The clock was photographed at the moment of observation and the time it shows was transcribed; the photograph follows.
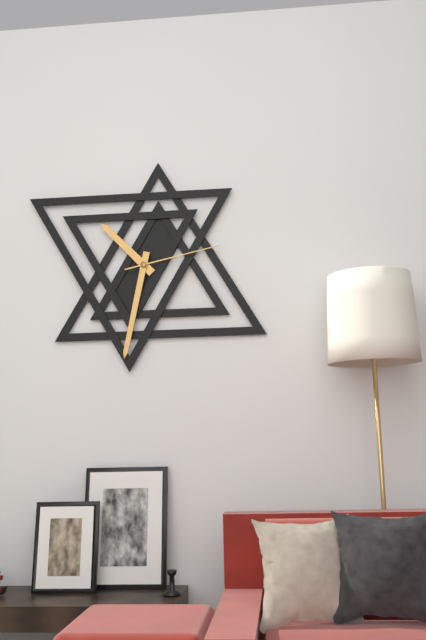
10:32:13
